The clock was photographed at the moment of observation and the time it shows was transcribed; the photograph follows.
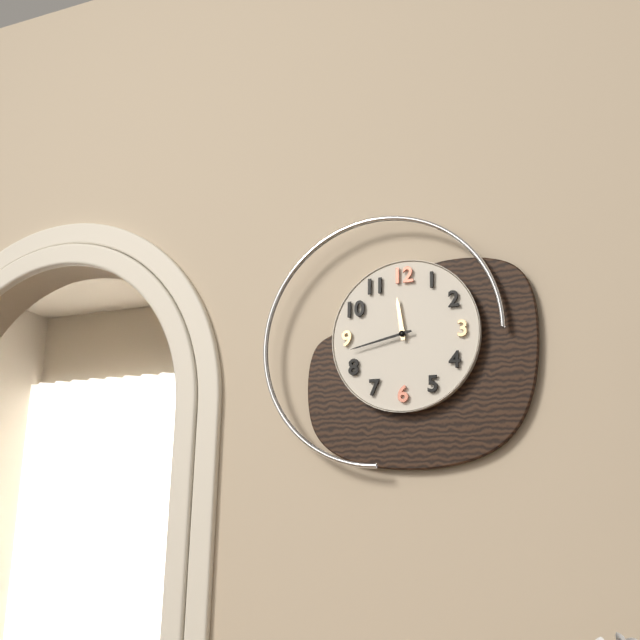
11:43
